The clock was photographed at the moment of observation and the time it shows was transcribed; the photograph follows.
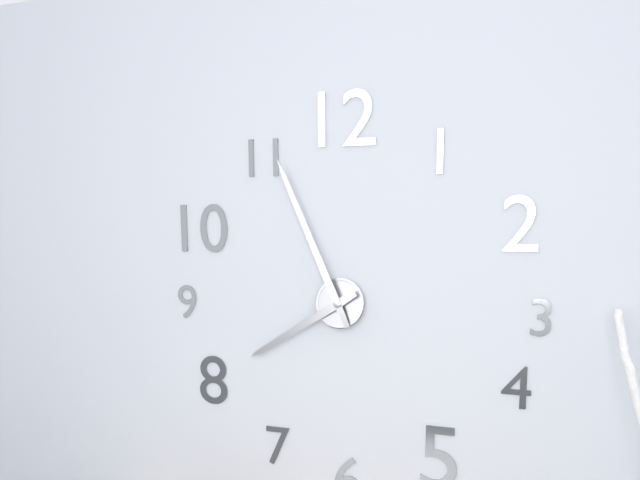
7:56
